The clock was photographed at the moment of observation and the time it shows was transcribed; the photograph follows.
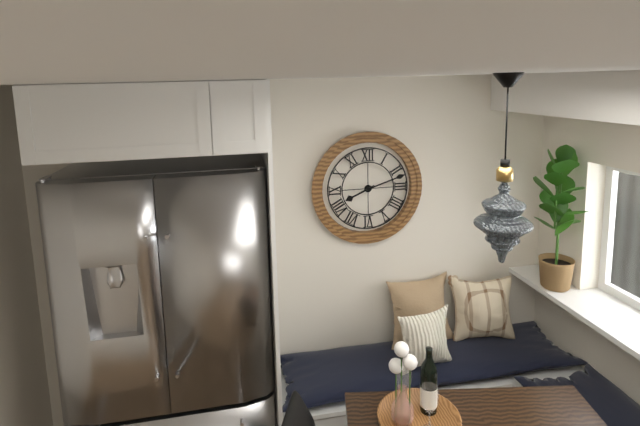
8:12
